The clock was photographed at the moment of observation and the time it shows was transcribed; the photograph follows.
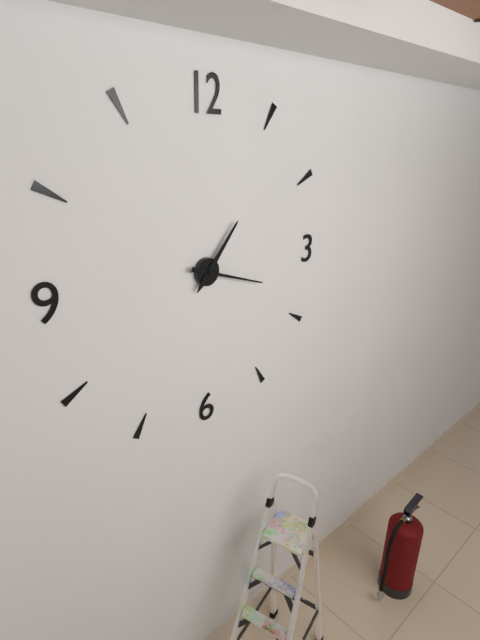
1:18
